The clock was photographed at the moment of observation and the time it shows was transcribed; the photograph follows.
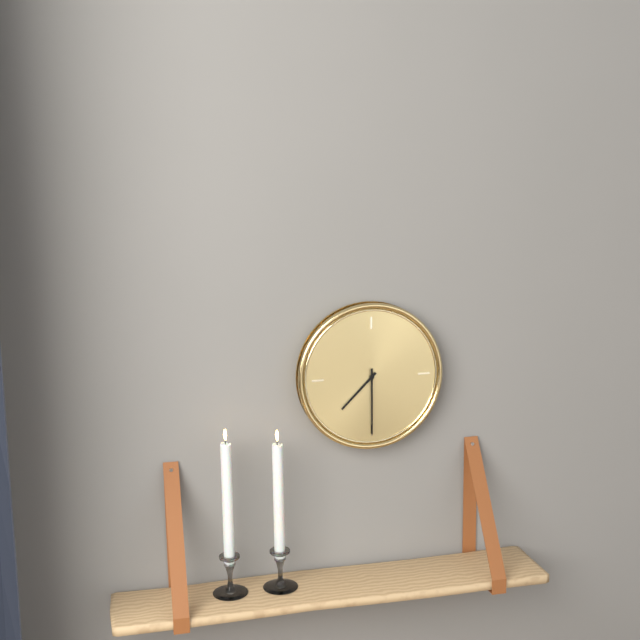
7:30
